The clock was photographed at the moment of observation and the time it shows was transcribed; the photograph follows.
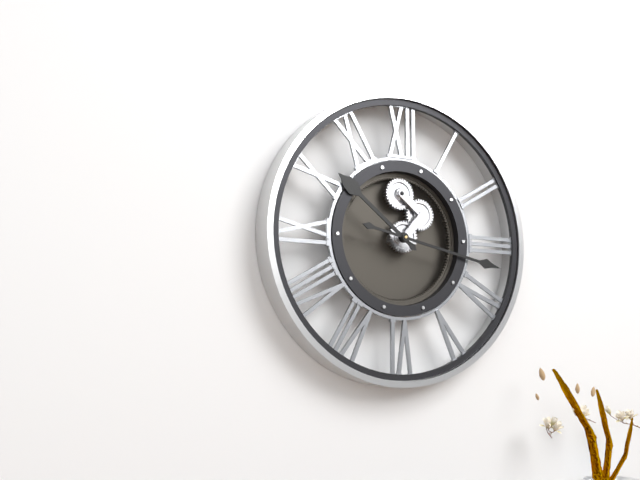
10:17
